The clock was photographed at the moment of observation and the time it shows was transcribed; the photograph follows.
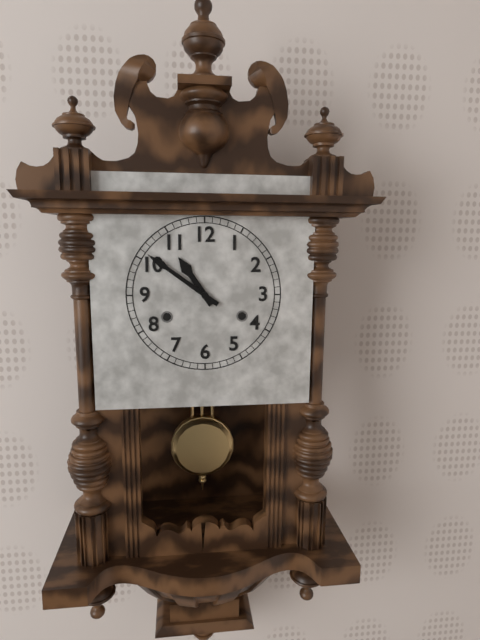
10:51
